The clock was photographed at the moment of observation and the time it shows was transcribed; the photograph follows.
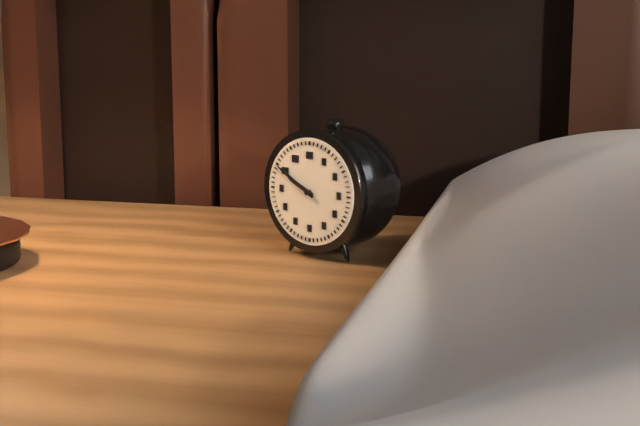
9:50
